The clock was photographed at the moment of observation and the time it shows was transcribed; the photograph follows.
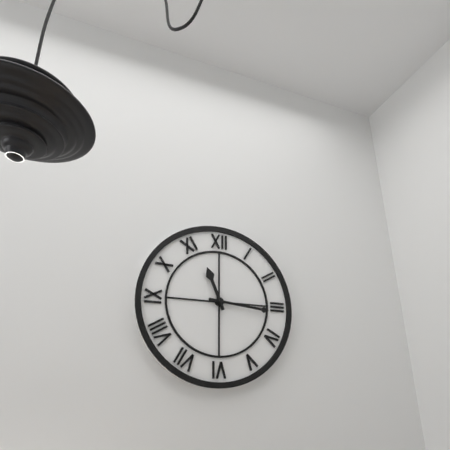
11:16
